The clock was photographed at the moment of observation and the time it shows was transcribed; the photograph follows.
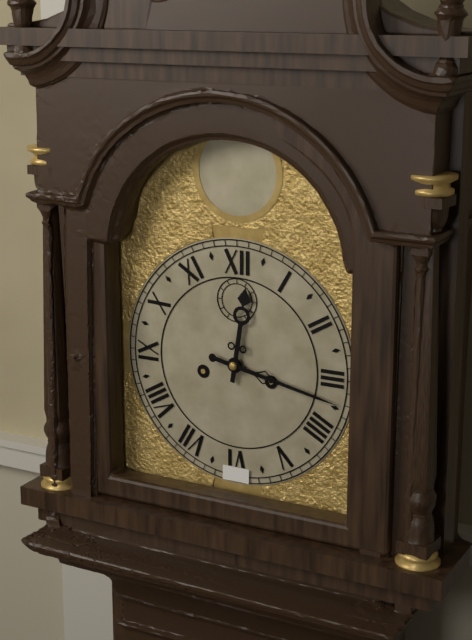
12:17
